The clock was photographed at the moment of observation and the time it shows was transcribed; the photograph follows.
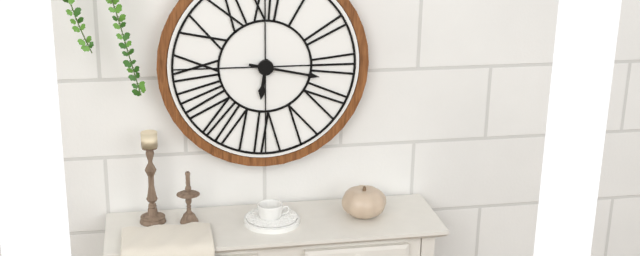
6:17
